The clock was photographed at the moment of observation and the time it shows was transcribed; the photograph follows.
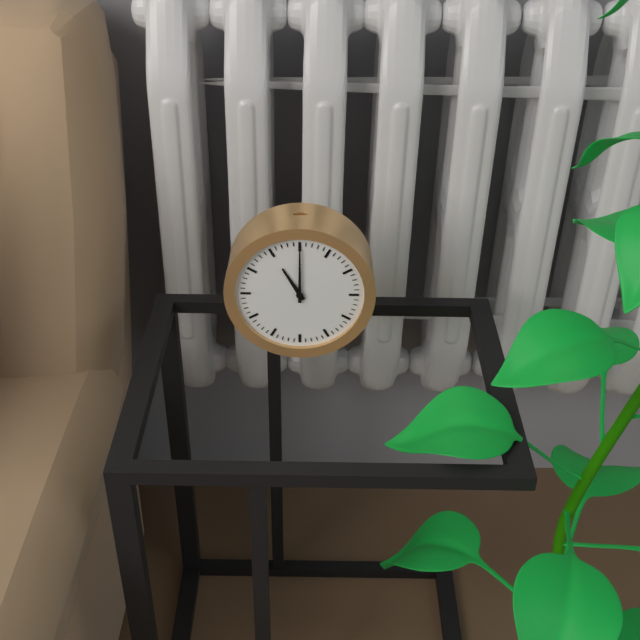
11:00
